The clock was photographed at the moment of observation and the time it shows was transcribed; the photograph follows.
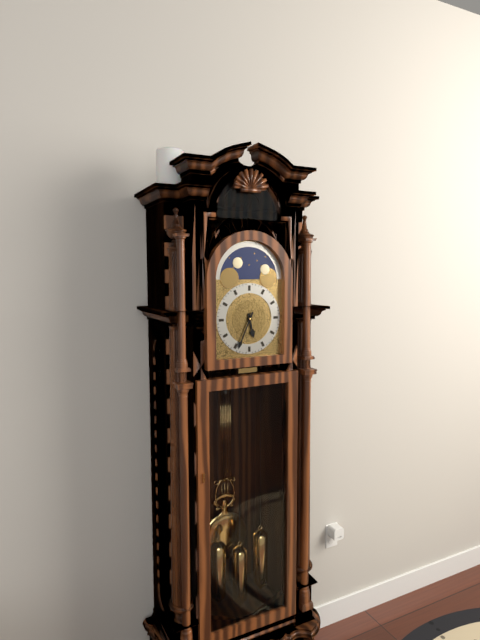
5:34
